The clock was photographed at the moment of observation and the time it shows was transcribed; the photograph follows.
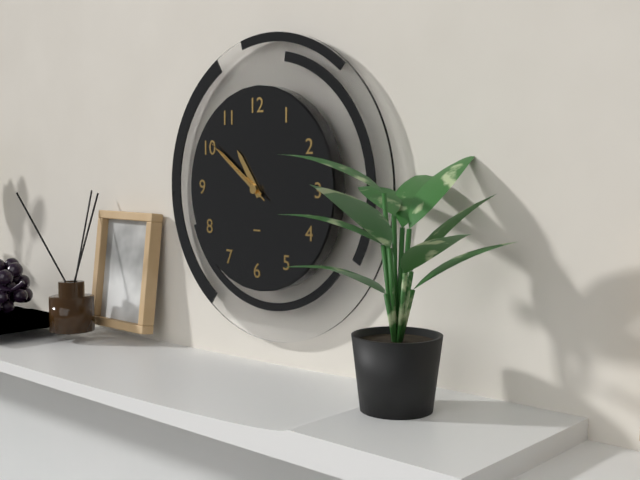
10:51:51
